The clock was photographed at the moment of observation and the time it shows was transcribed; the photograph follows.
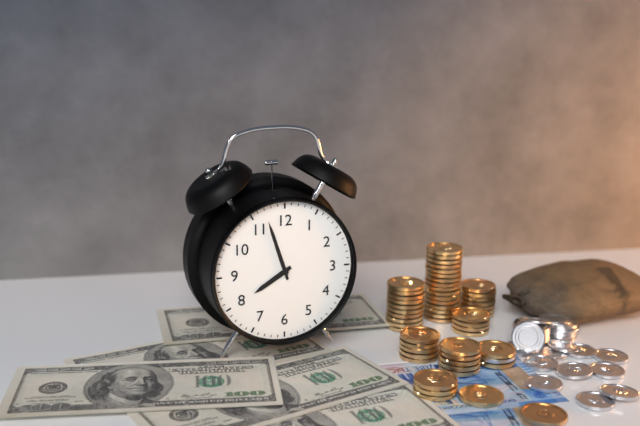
7:57
